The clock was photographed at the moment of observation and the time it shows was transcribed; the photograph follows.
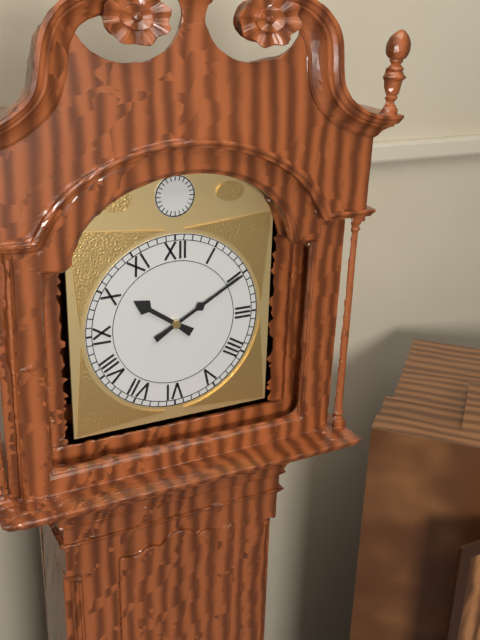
10:10
